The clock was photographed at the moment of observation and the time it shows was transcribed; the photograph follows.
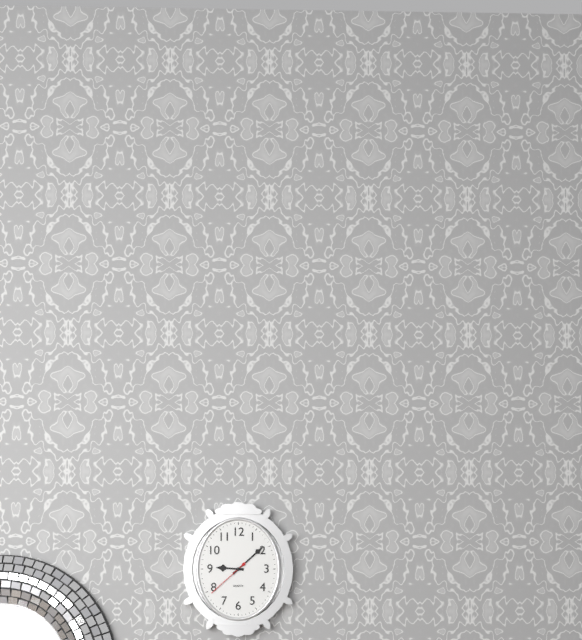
9:08
